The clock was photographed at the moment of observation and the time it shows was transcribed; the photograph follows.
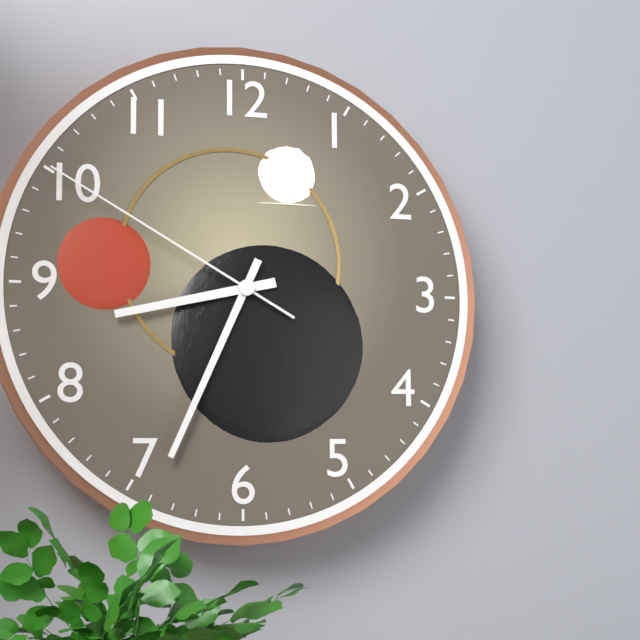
8:34:50
